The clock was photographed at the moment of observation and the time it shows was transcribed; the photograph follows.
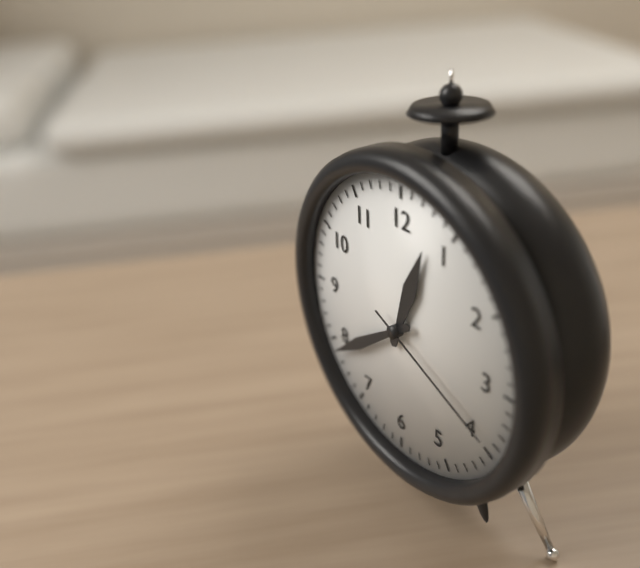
12:39:19
